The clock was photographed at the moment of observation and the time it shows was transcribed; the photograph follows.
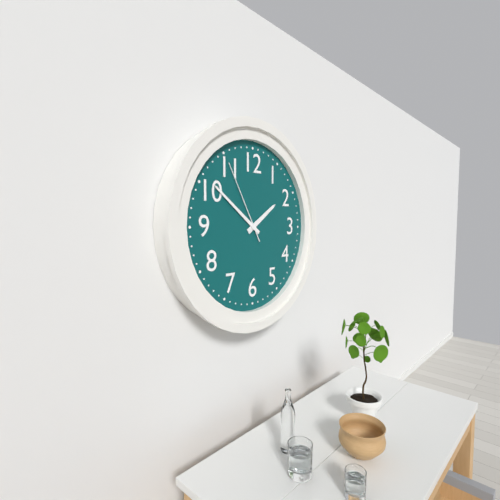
1:51:55
